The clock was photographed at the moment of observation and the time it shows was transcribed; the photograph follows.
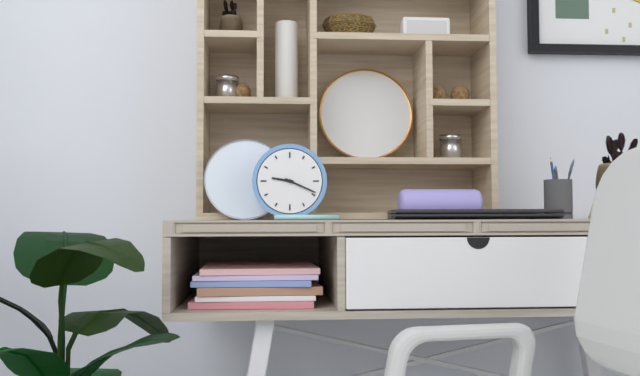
9:19
